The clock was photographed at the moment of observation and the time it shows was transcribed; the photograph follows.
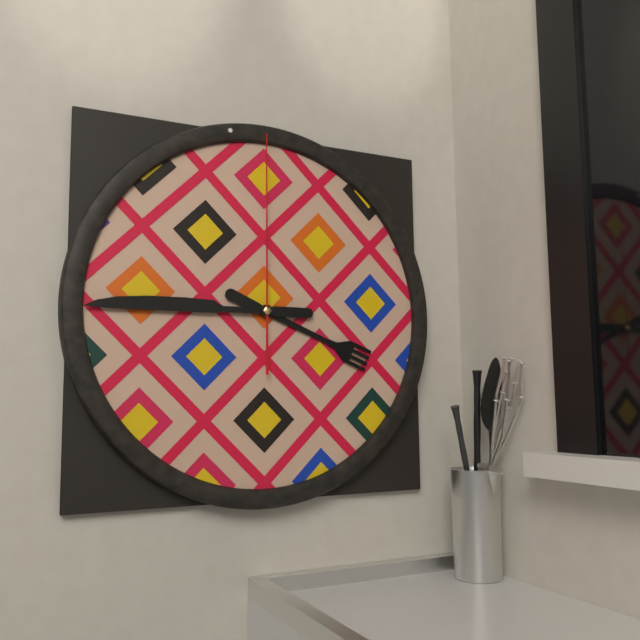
3:45:00
